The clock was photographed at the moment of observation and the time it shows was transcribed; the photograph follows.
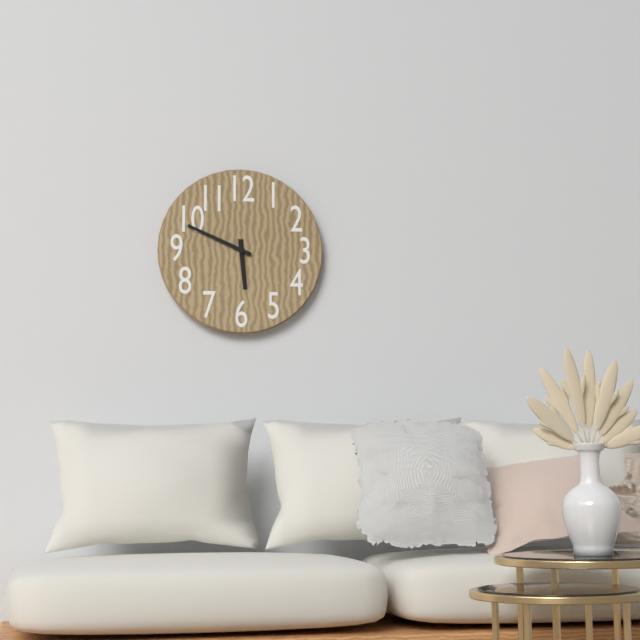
5:49
